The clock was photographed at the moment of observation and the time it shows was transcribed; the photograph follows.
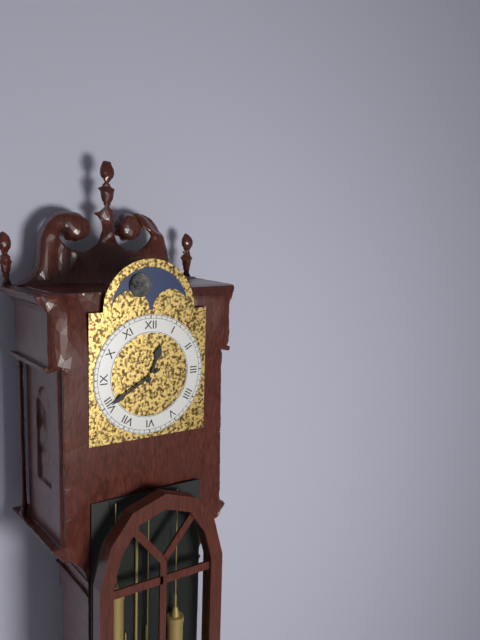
12:40
